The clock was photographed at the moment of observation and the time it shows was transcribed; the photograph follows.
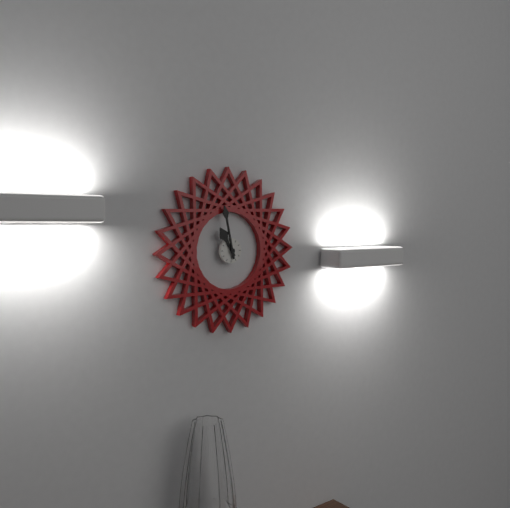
10:58
